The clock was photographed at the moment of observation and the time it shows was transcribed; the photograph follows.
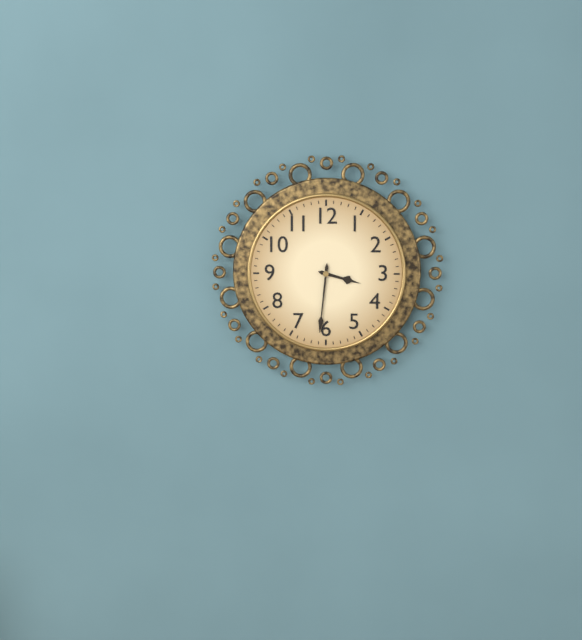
3:31
